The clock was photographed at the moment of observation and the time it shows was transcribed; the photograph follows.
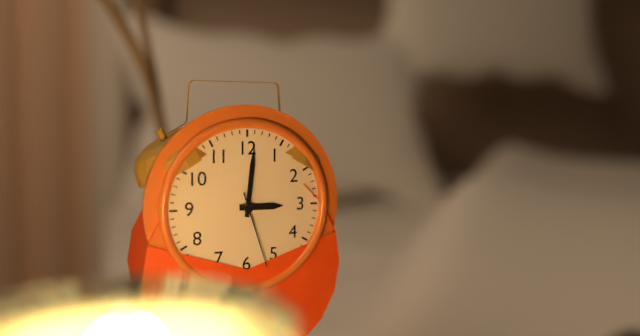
3:01:27
